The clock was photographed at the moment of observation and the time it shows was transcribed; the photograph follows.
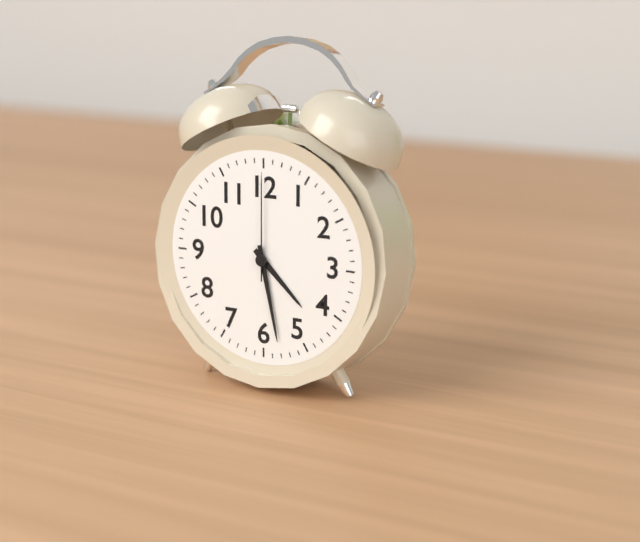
4:28:00
